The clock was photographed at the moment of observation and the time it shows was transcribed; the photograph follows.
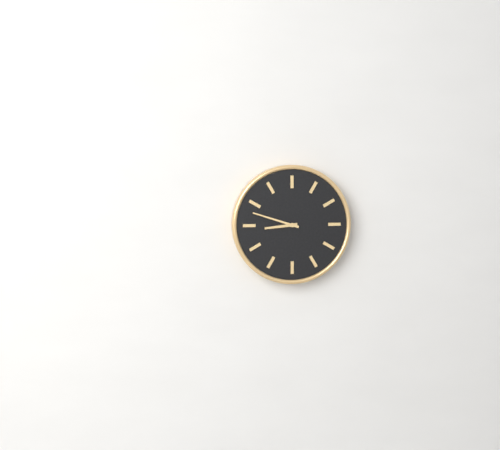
8:48
